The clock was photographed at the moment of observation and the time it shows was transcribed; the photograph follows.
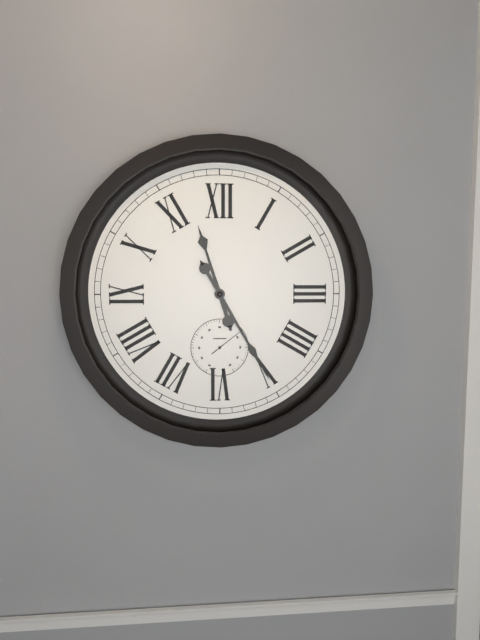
11:25
